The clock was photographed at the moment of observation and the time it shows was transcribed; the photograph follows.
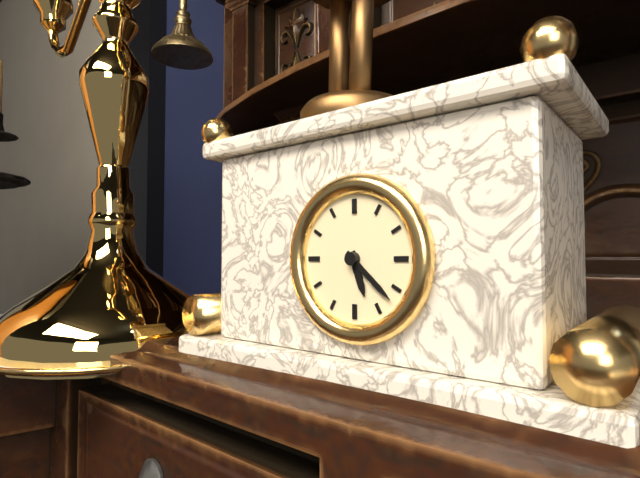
5:22
